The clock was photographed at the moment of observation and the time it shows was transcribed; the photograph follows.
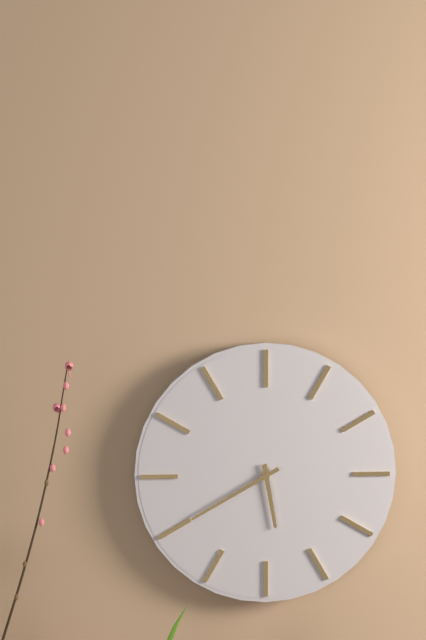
5:40
